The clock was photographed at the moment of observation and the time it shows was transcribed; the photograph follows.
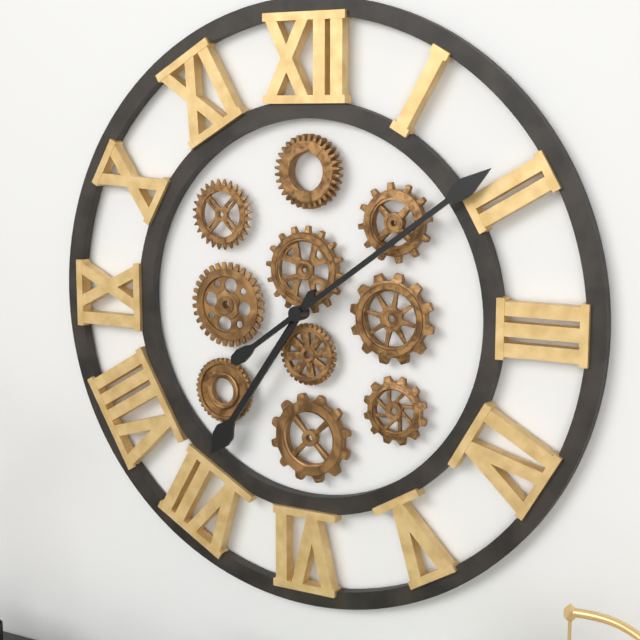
7:09
